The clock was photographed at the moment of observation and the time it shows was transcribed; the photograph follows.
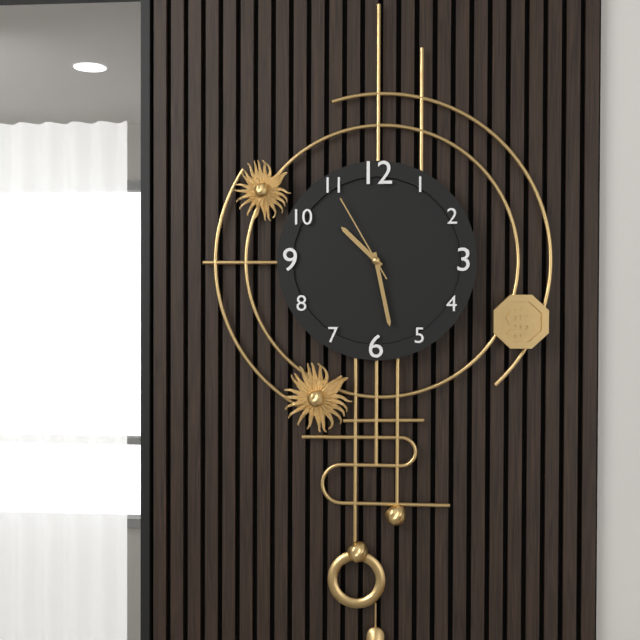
10:28:55
